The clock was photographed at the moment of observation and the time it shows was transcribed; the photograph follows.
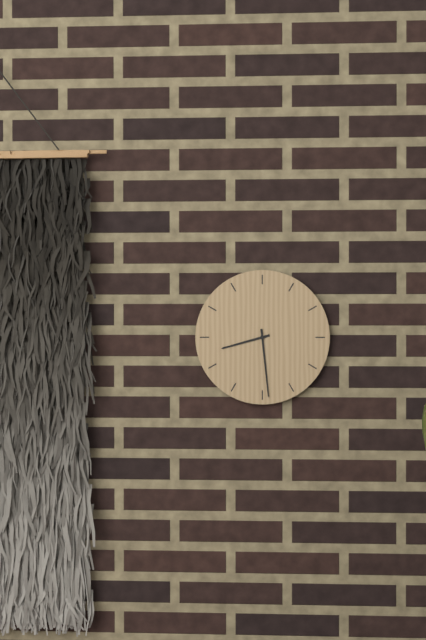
8:29
